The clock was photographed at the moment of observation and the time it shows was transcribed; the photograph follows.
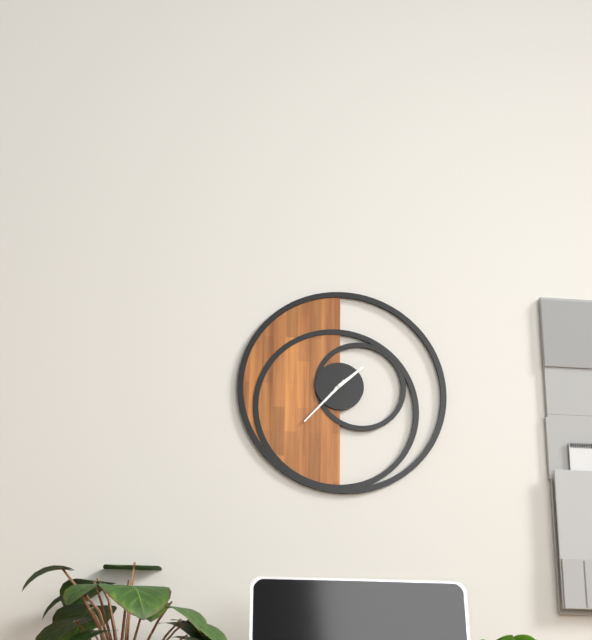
1:37
